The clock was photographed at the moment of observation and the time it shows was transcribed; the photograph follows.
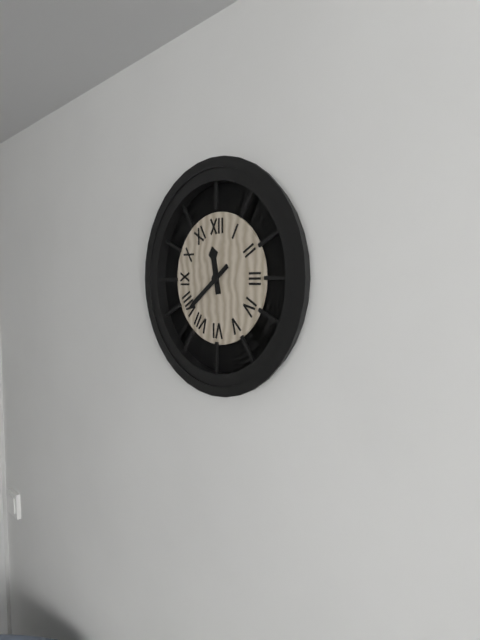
11:39
